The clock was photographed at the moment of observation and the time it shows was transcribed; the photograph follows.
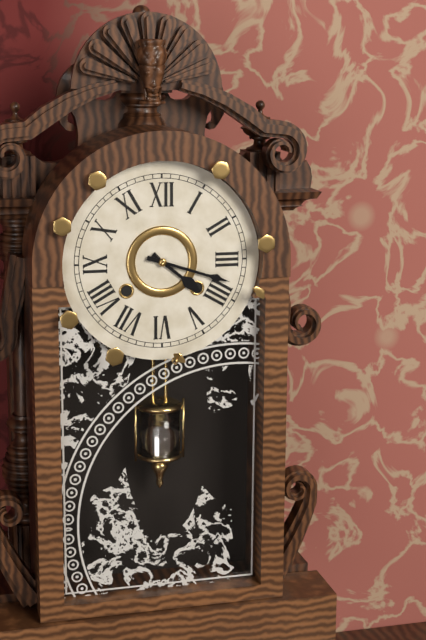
4:18
